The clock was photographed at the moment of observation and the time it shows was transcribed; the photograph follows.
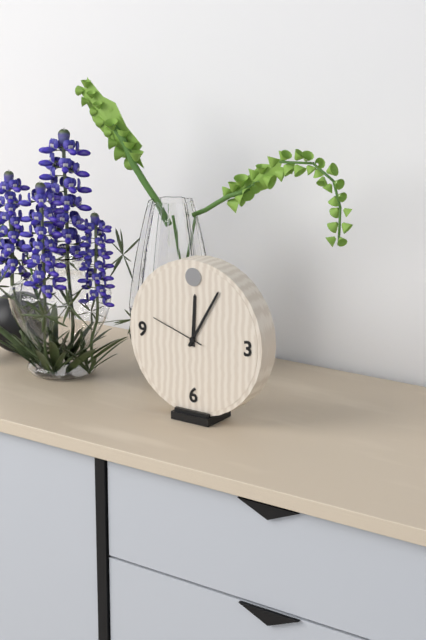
12:05:48
